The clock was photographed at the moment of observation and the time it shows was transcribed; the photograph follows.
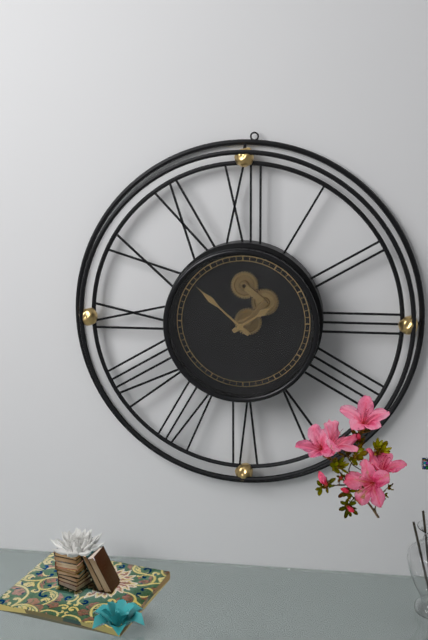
1:52
